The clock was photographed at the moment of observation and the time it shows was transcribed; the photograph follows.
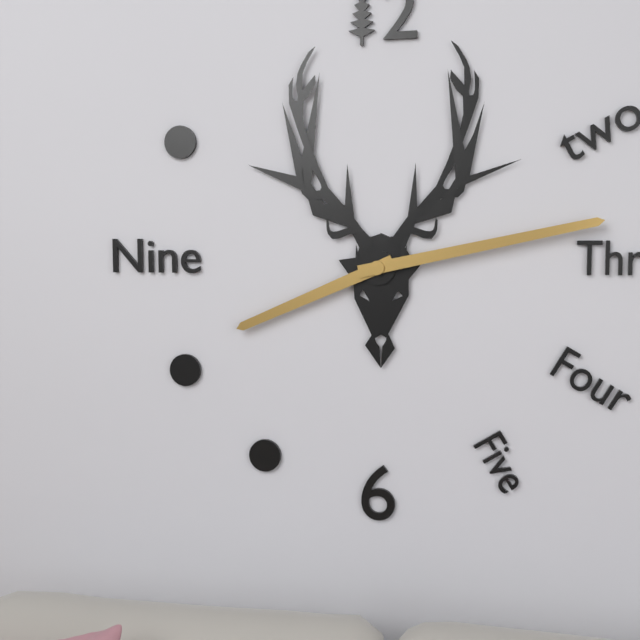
8:13
